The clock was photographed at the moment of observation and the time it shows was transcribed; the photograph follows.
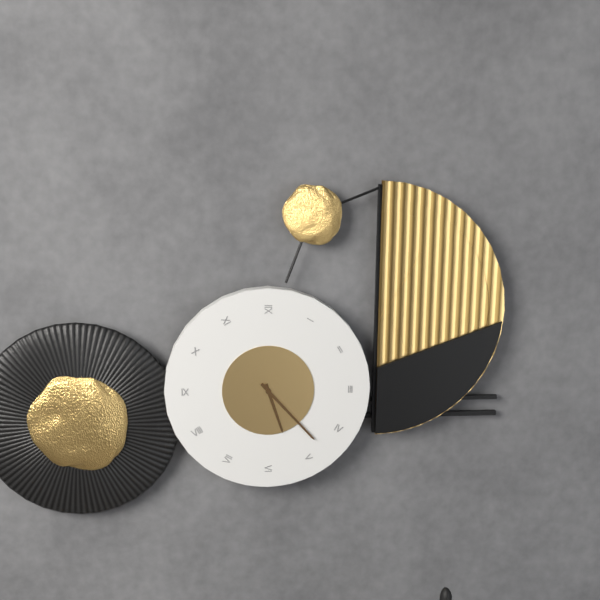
5:23
